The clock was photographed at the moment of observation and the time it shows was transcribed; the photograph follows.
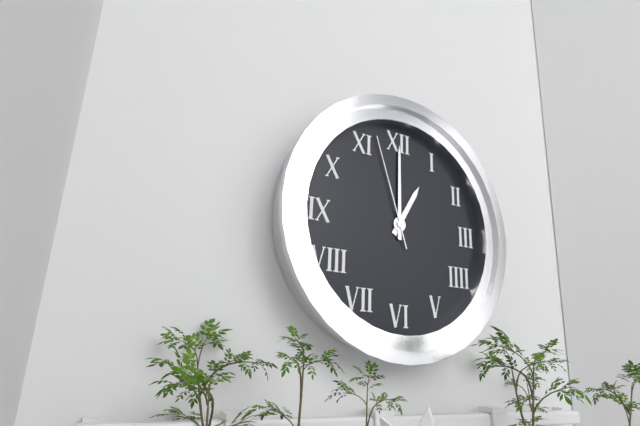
1:00:57
